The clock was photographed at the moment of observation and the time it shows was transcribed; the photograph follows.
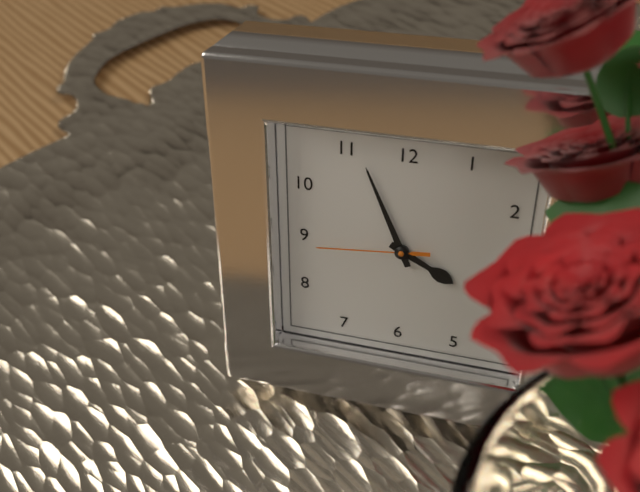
3:56:44
